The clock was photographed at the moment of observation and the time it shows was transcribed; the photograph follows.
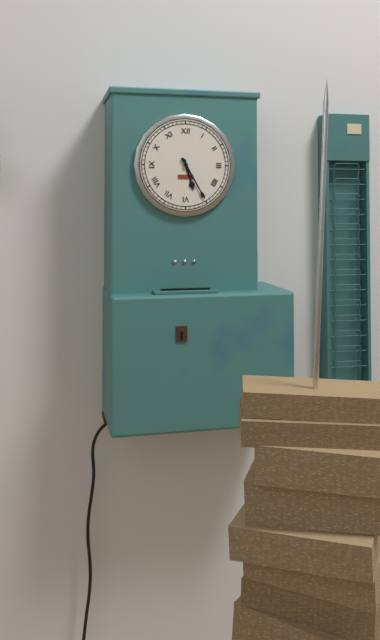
5:25
